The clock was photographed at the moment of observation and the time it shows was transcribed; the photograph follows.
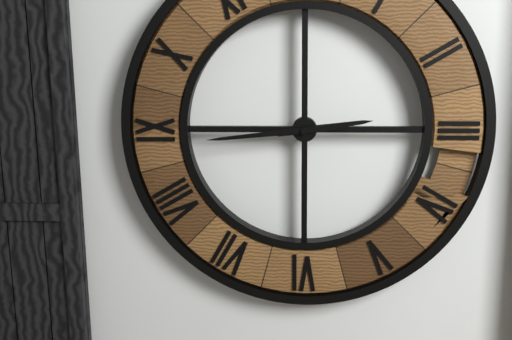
2:44
